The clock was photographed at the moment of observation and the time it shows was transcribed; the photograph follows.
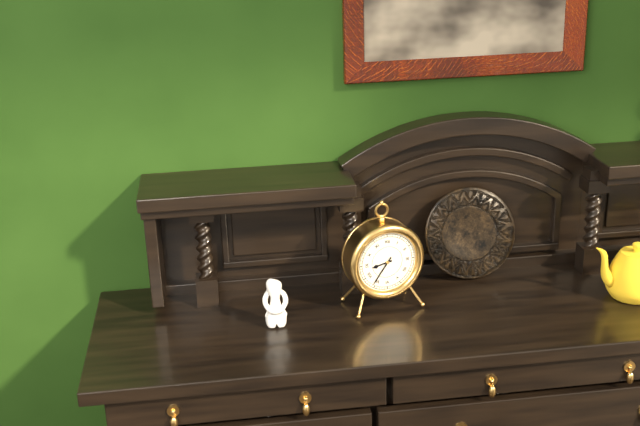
8:36
